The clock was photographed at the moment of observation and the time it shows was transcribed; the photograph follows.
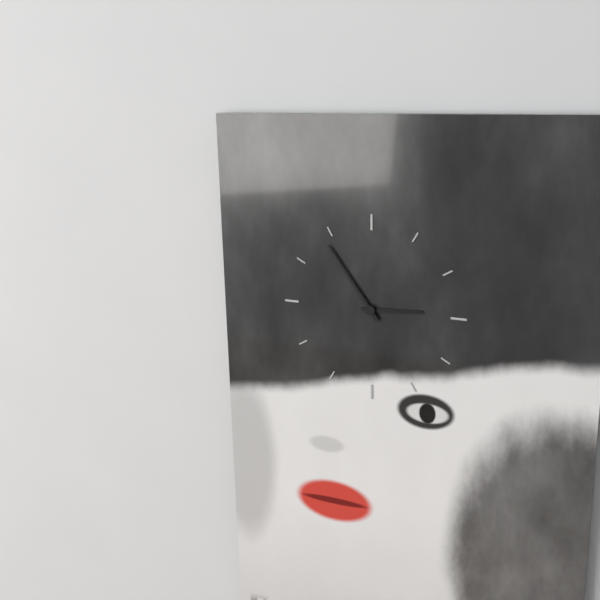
2:54
